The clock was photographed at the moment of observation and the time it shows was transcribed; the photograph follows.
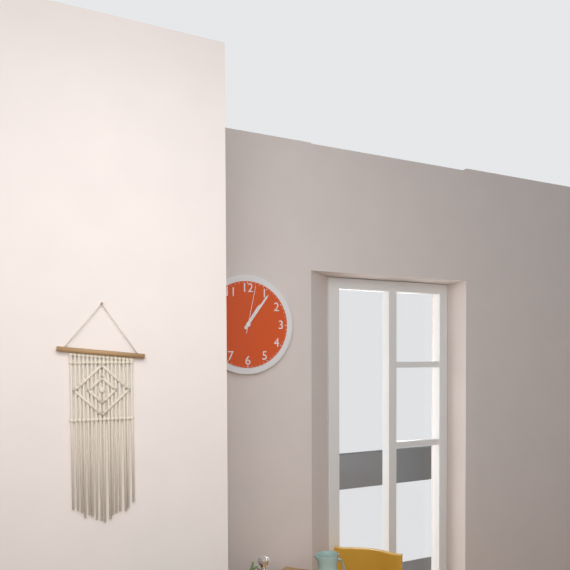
1:06
